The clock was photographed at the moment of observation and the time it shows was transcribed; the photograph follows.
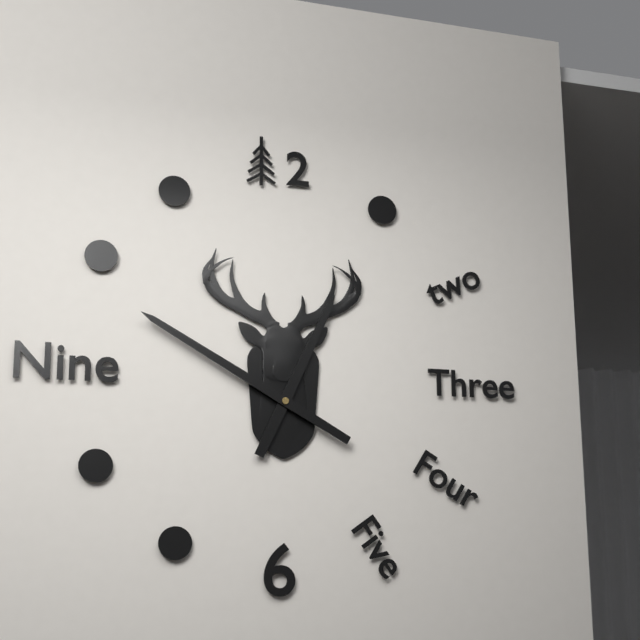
12:50
